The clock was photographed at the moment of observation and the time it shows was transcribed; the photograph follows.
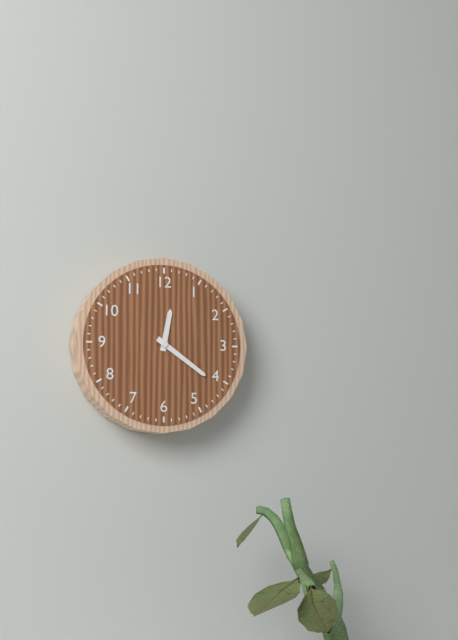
12:21
